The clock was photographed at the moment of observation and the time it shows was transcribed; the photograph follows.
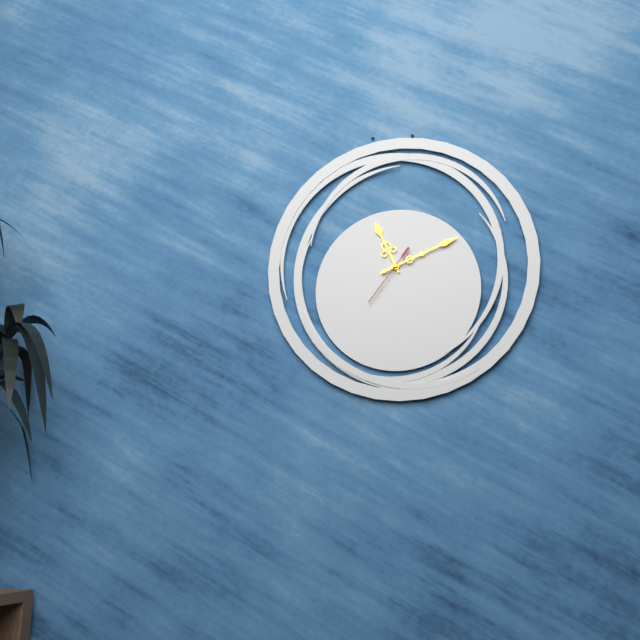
11:11:36
